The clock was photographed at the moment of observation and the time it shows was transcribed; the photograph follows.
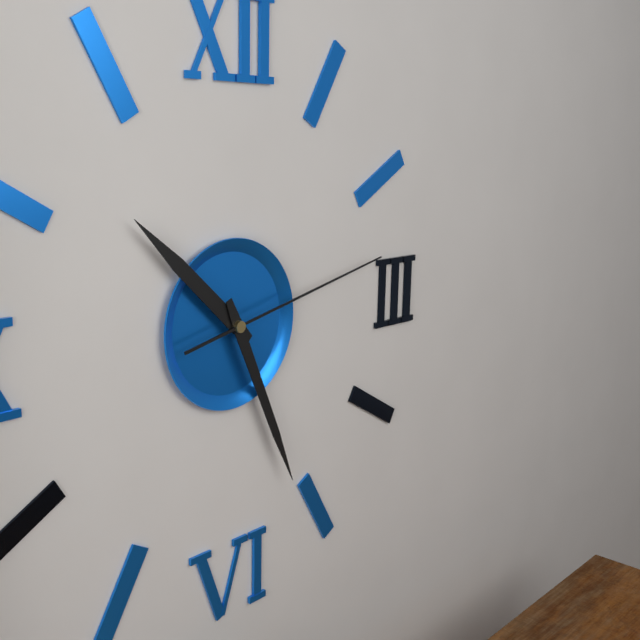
10:26:13
